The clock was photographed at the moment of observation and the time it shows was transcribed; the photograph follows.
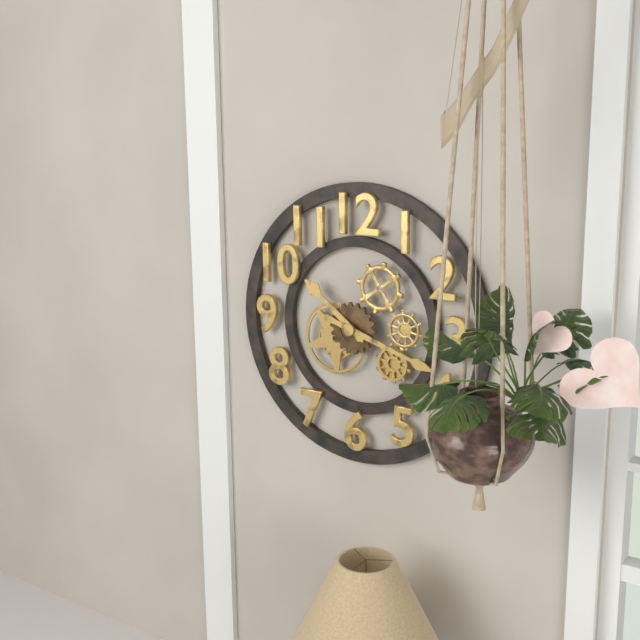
10:18
